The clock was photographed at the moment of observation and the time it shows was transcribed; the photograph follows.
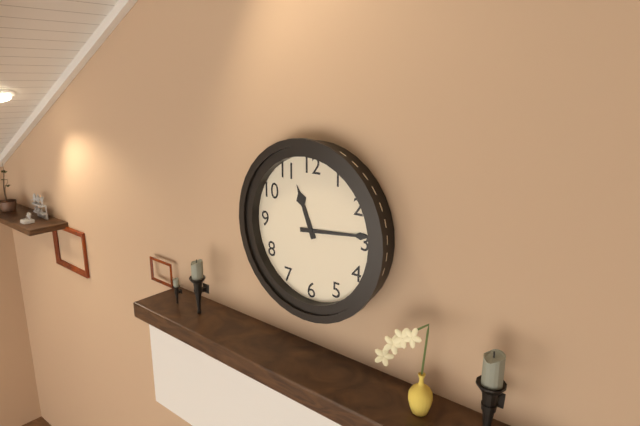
11:14
